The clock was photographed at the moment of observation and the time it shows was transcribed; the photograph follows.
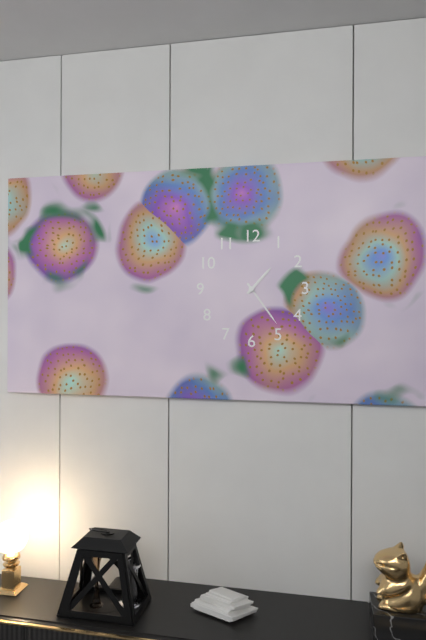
1:24
